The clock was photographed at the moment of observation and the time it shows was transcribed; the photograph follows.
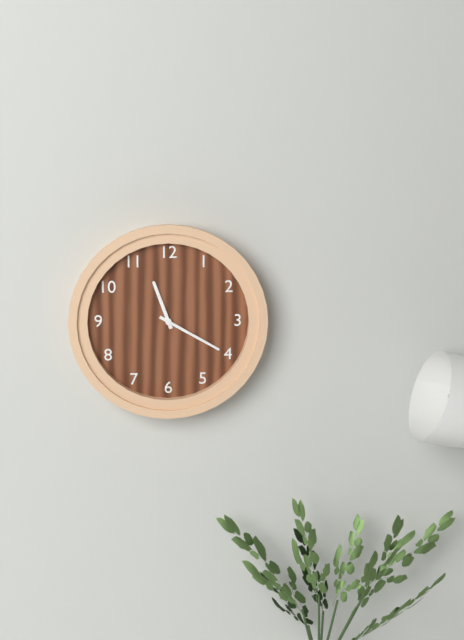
11:20
